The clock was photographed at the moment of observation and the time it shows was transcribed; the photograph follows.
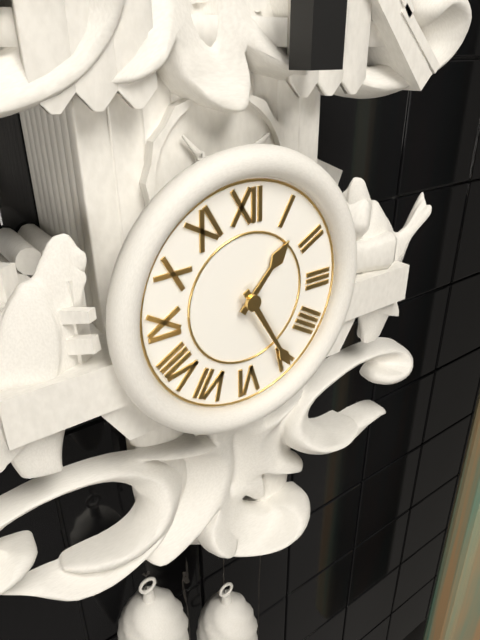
1:25
